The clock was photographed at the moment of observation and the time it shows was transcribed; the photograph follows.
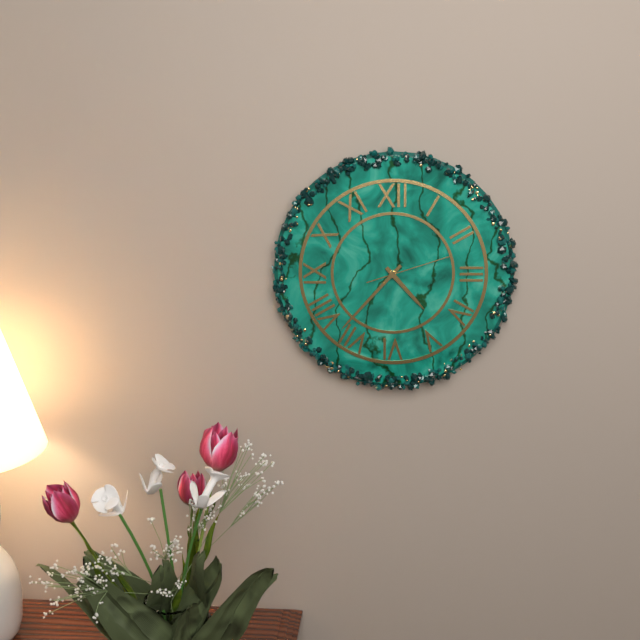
4:37:12
